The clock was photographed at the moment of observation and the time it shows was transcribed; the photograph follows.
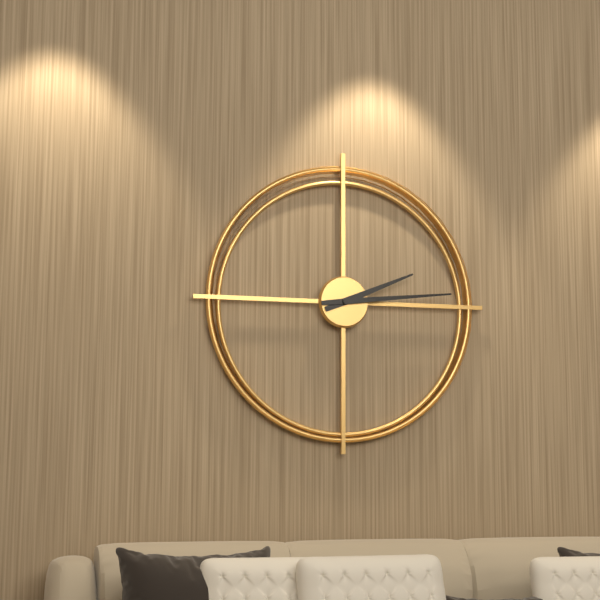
2:14
